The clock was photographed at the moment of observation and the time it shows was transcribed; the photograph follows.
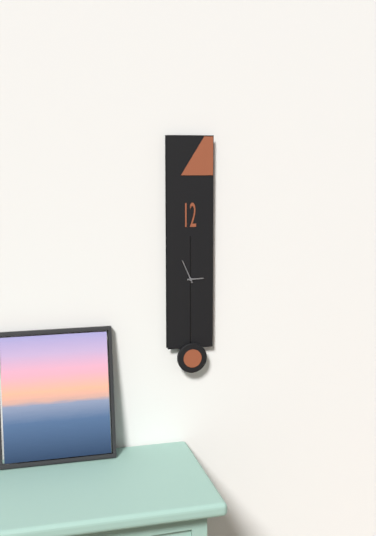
2:56
